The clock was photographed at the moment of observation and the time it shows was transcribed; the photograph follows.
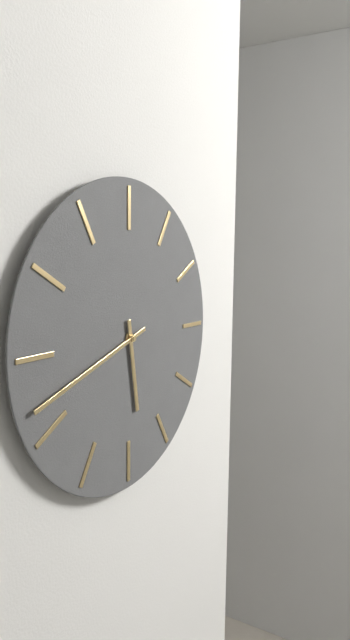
5:42
